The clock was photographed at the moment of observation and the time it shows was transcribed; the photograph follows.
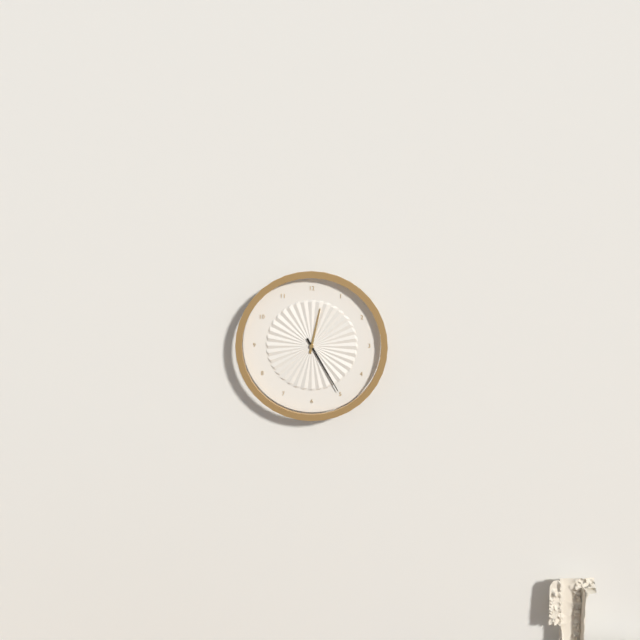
12:25
